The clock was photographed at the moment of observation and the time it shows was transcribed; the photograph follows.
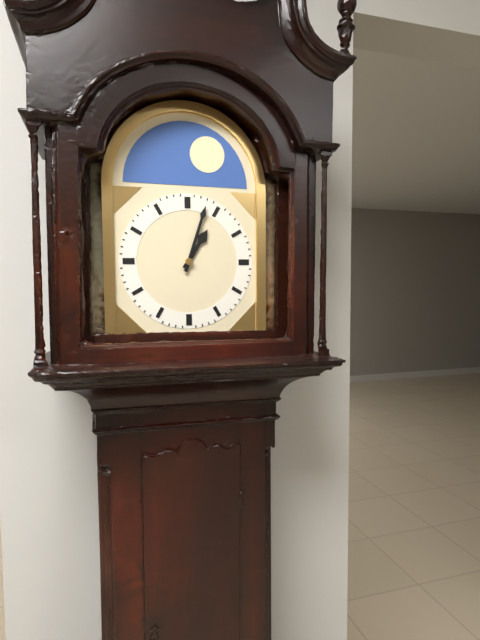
1:03
